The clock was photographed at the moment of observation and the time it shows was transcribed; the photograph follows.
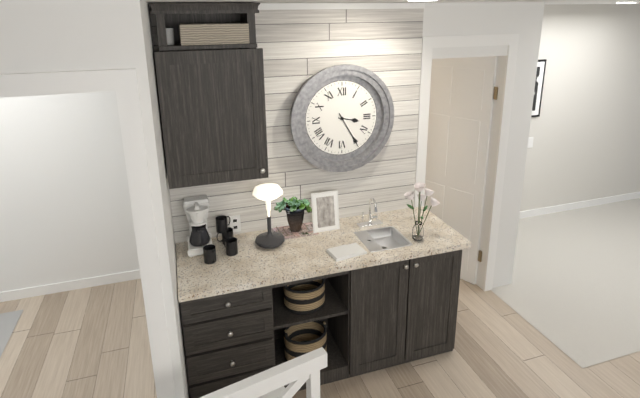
3:25
